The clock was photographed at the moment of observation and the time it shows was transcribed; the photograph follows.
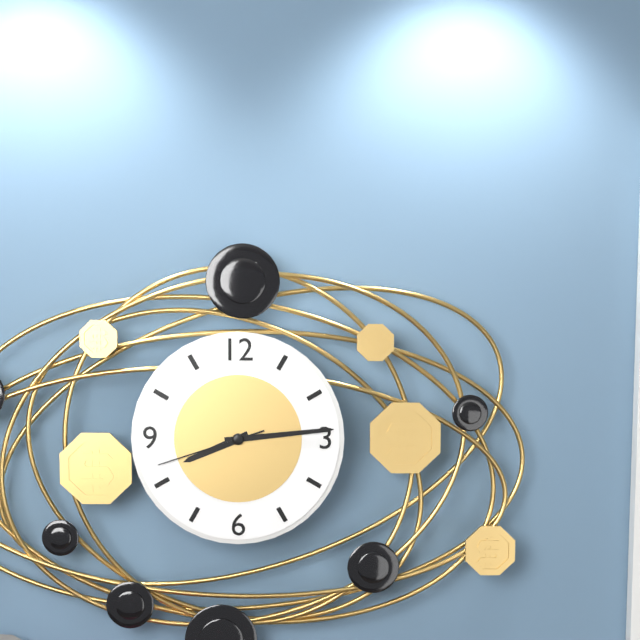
8:14:42
